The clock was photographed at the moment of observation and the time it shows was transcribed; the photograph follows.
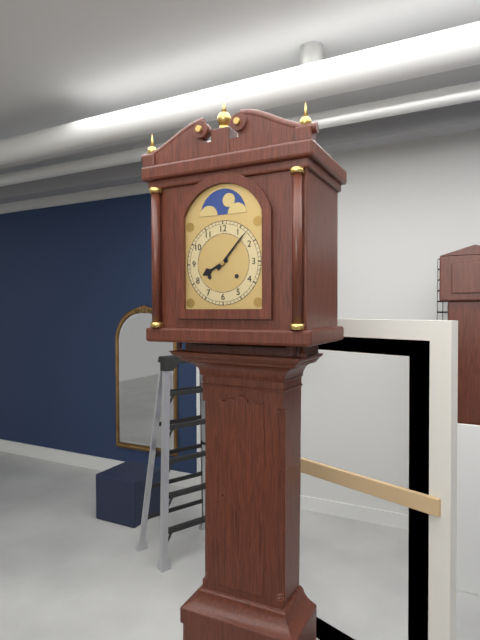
8:07
